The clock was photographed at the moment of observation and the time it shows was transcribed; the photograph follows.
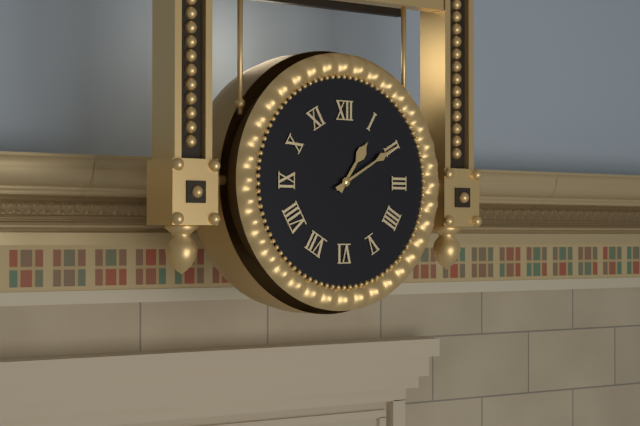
1:10
